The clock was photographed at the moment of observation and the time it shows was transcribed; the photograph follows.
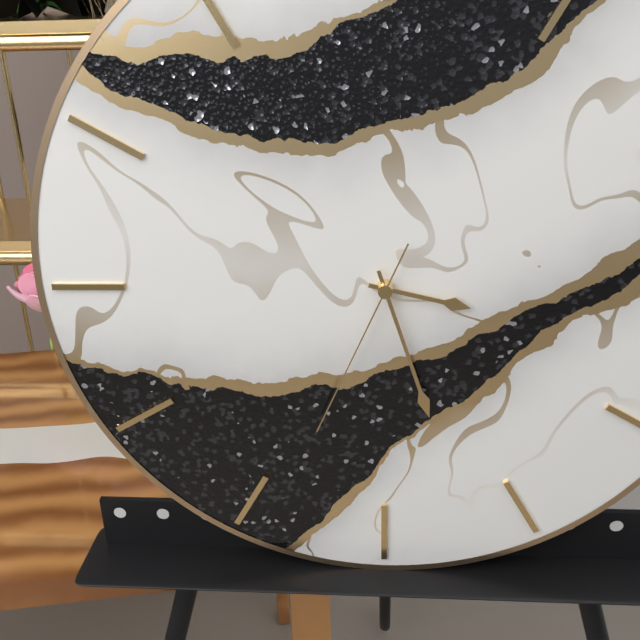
3:27:34
